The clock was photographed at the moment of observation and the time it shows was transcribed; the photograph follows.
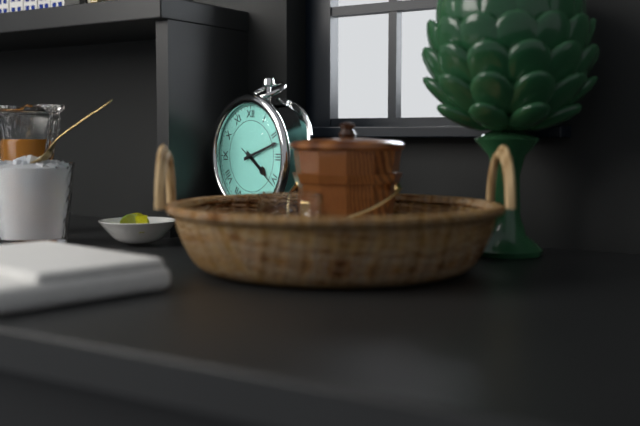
4:12
